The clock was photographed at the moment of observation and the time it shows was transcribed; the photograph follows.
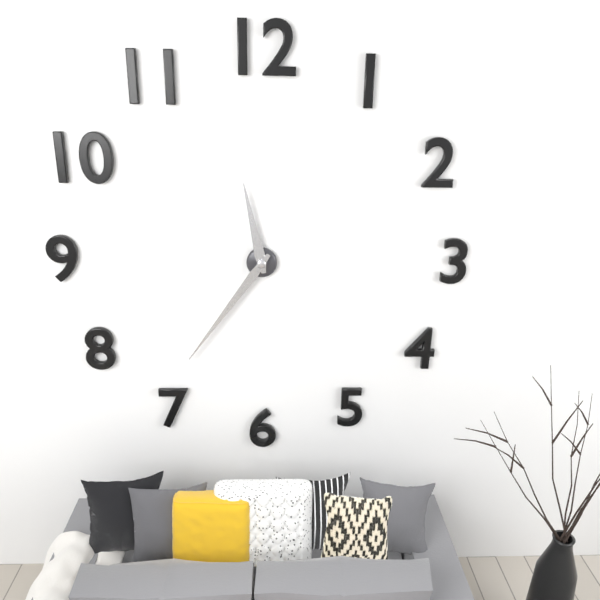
11:36
